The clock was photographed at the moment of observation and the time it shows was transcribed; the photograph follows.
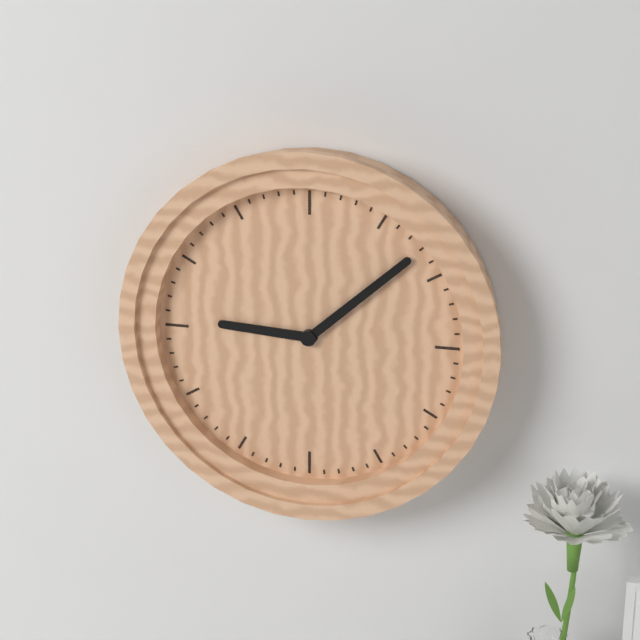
9:08
